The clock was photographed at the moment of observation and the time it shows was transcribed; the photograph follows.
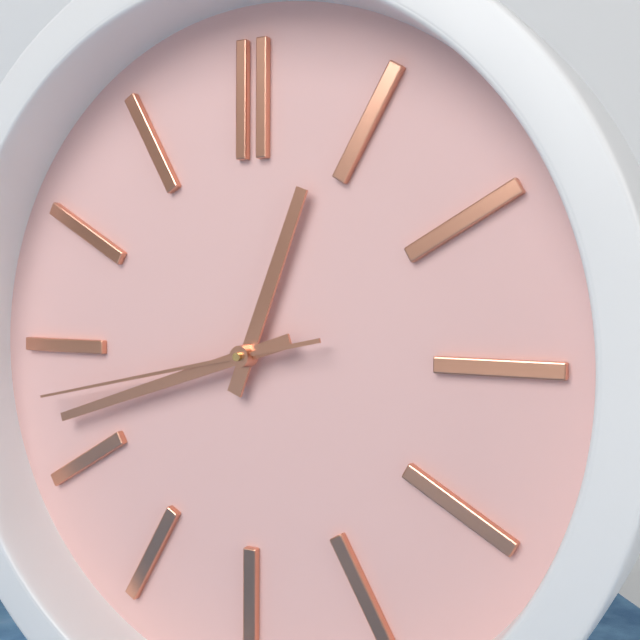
12:42:43
